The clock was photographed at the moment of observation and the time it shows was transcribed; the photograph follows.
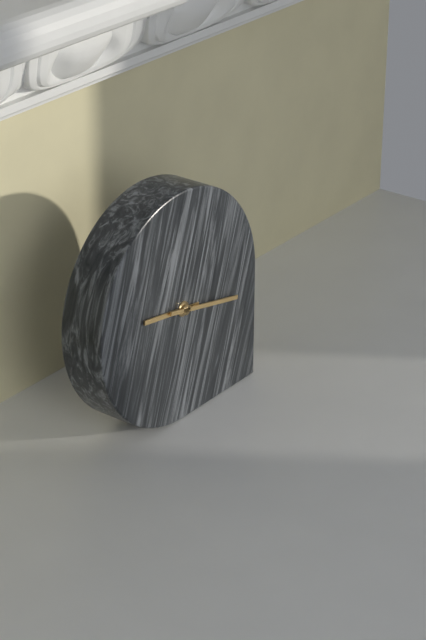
9:17
